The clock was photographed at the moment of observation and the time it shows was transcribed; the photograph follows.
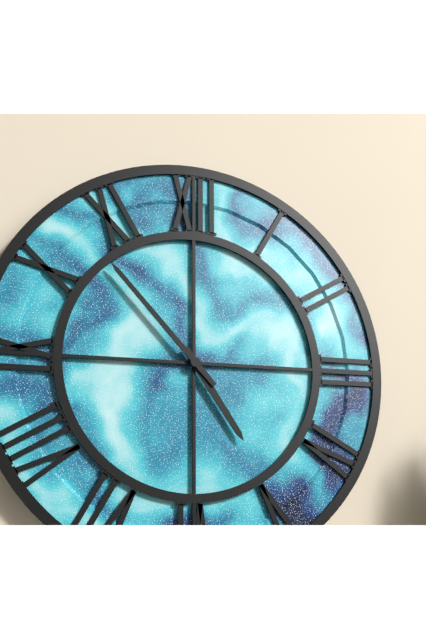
4:53
